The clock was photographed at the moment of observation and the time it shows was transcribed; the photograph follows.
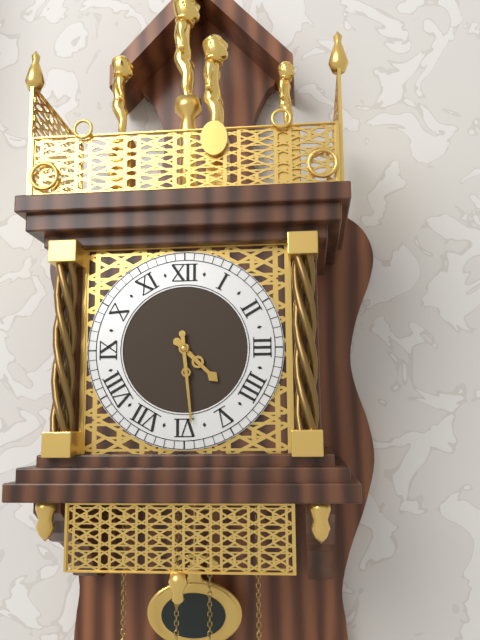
4:29
